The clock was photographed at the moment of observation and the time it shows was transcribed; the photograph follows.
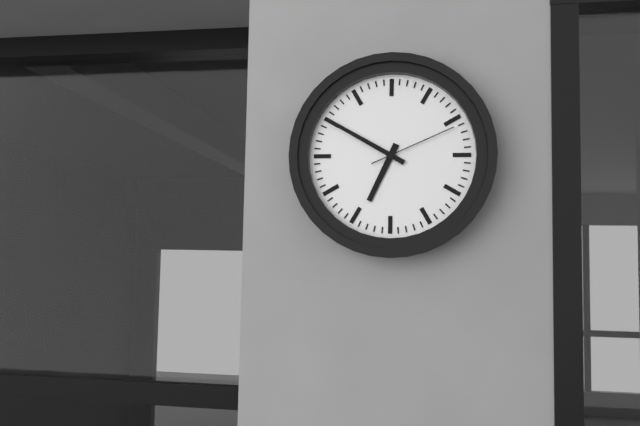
6:50:11
